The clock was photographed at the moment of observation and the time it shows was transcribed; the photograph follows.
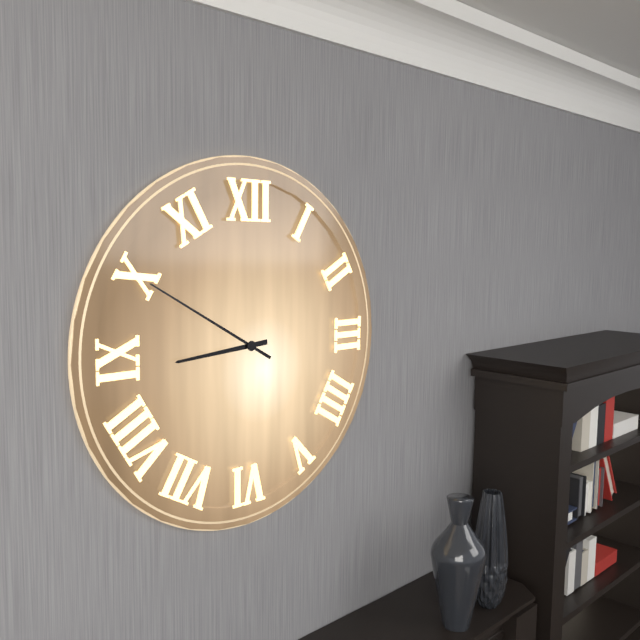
8:50
